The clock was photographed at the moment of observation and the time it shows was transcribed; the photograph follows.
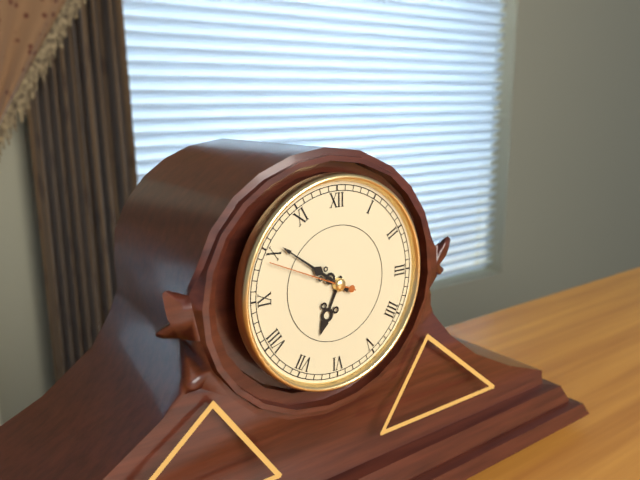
6:51:49
